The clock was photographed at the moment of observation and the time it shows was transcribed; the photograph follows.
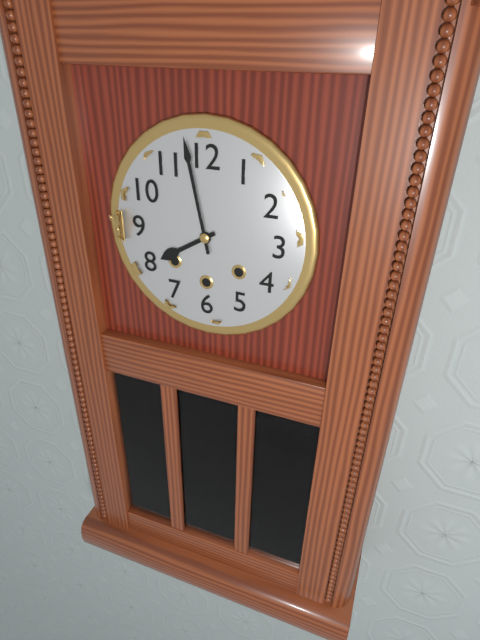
7:58
